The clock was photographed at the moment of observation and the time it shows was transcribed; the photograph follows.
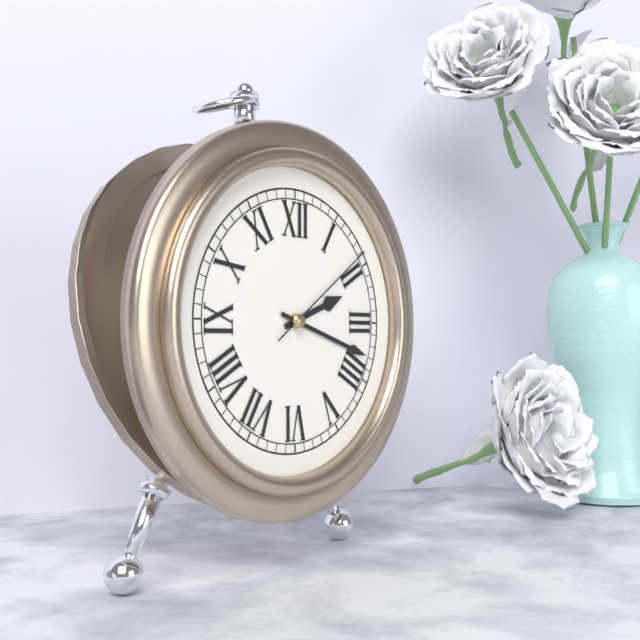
2:18:09
